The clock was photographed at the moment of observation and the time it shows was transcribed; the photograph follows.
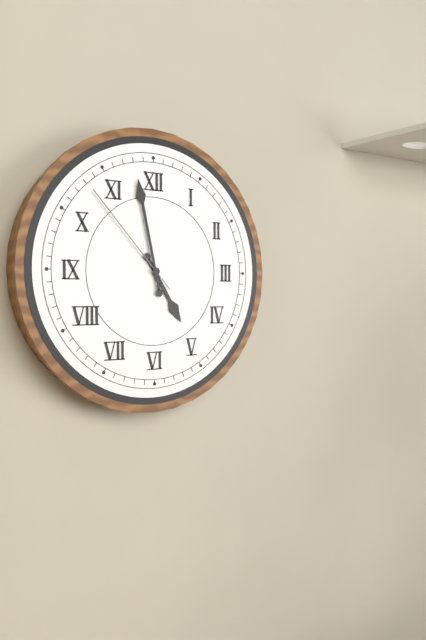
4:58:53
